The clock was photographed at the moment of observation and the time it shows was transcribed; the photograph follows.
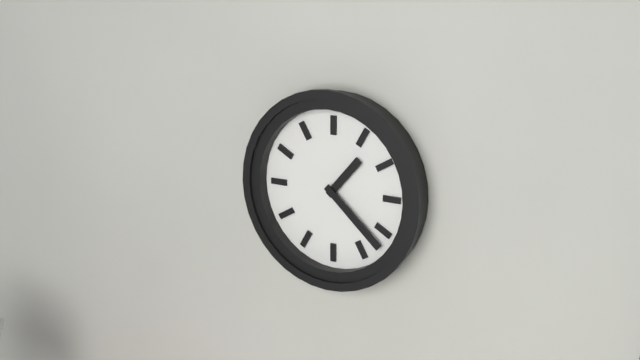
1:22
